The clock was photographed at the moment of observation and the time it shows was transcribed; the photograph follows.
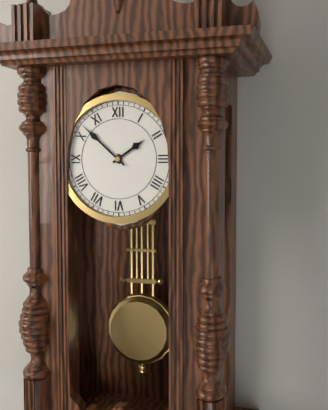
1:52
